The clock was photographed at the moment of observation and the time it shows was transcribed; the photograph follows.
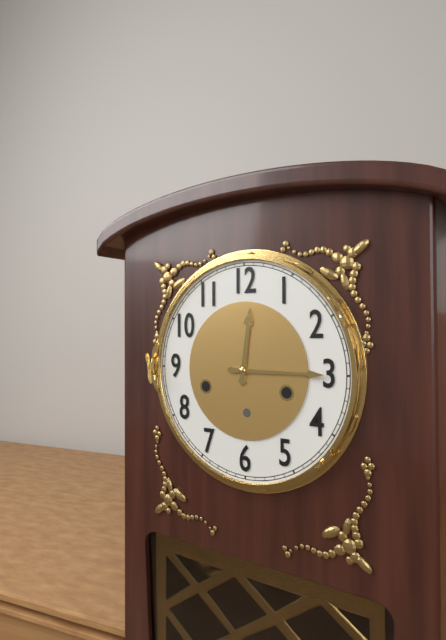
12:15
